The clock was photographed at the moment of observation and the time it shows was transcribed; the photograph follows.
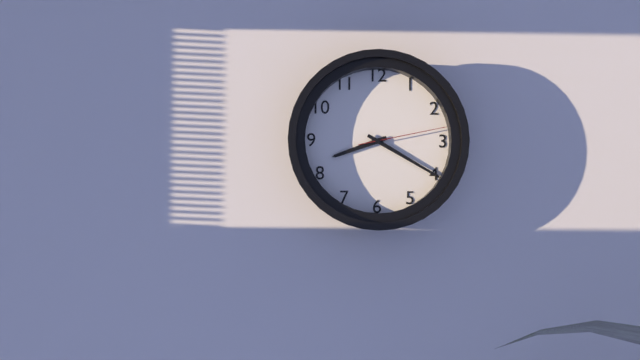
8:20:13
